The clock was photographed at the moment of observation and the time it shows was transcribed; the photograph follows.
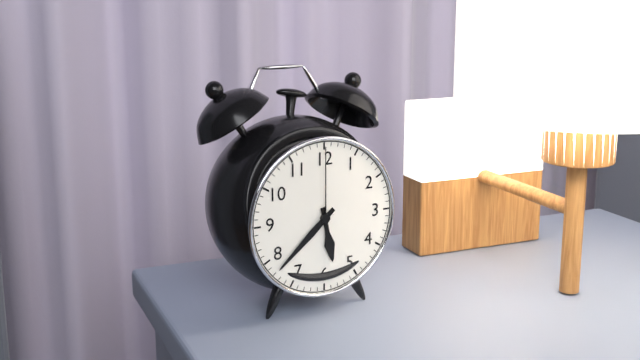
5:38:00
